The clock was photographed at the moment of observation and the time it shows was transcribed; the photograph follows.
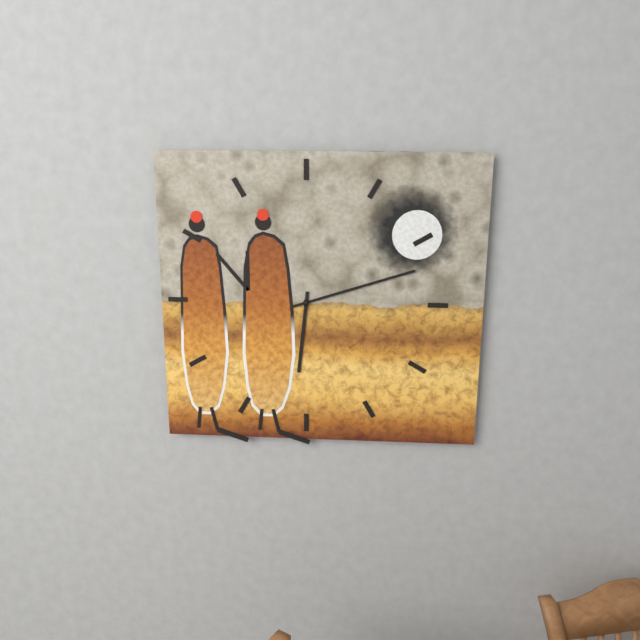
6:12
